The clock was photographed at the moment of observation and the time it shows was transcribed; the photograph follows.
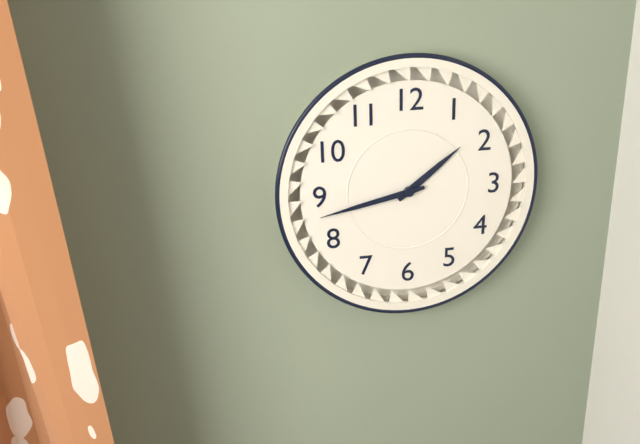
1:43
